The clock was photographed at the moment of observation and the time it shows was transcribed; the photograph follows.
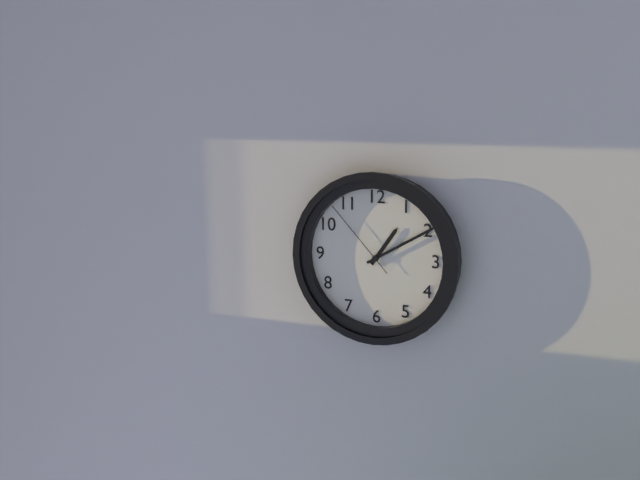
1:10:53
